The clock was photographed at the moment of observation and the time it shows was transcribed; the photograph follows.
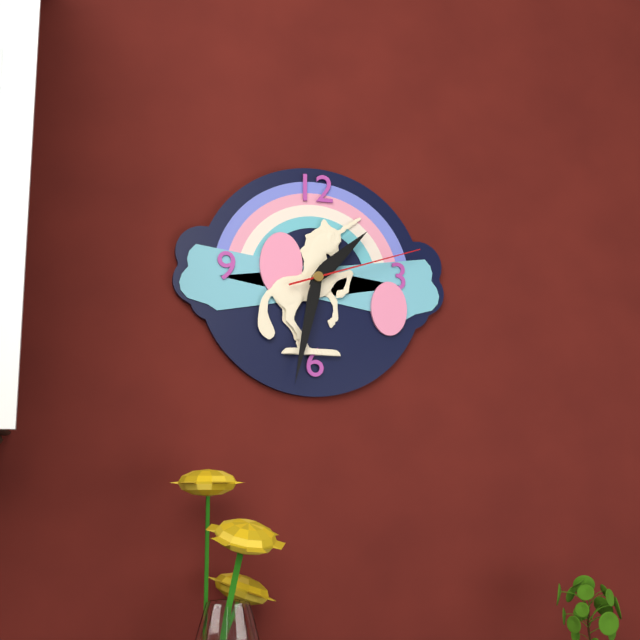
1:32:12
